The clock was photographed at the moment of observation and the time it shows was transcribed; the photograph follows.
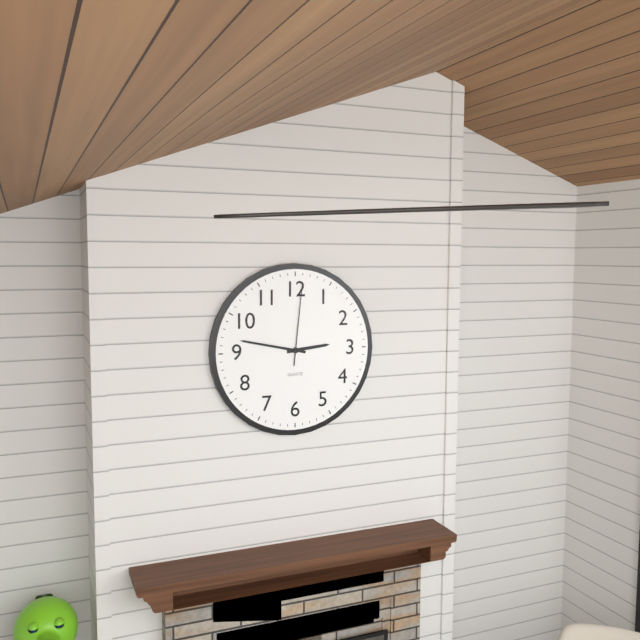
2:47:01
